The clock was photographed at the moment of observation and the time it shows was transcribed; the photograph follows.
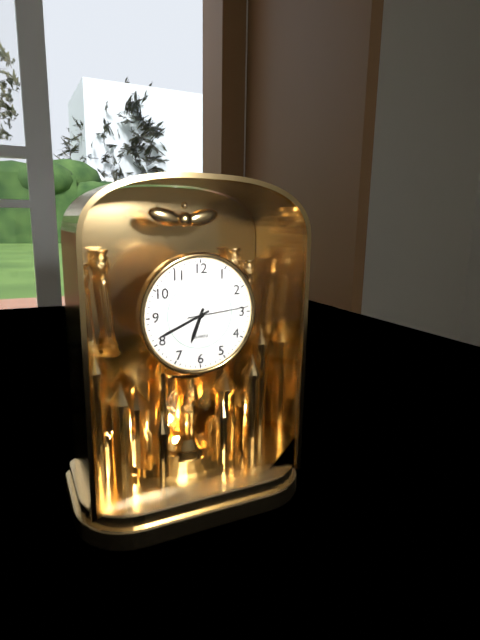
6:41:14
